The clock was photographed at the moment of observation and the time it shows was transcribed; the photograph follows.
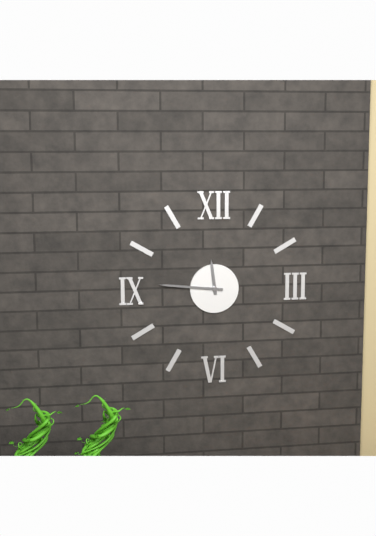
11:46
